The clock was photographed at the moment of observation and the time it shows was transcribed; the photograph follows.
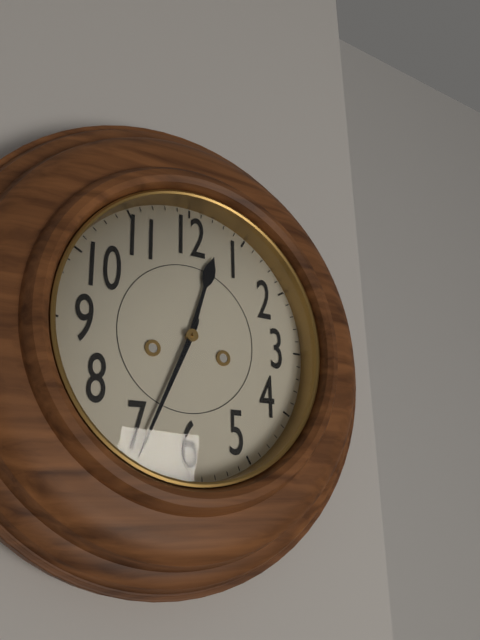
12:34
